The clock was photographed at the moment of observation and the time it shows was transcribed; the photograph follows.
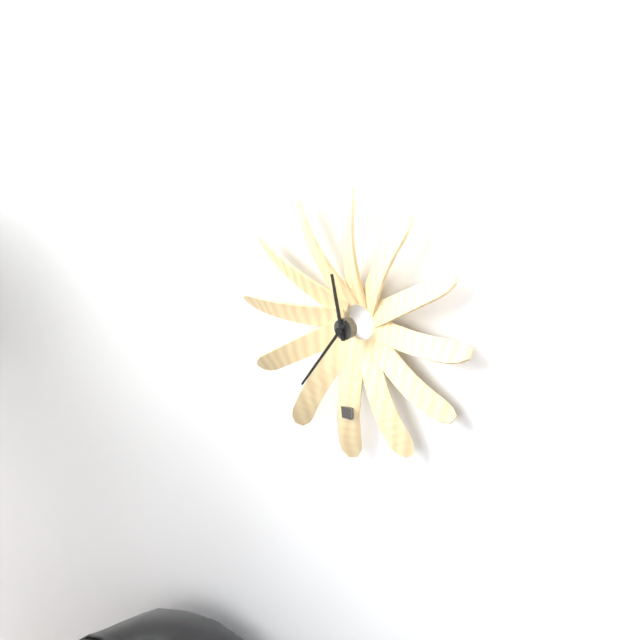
11:36
